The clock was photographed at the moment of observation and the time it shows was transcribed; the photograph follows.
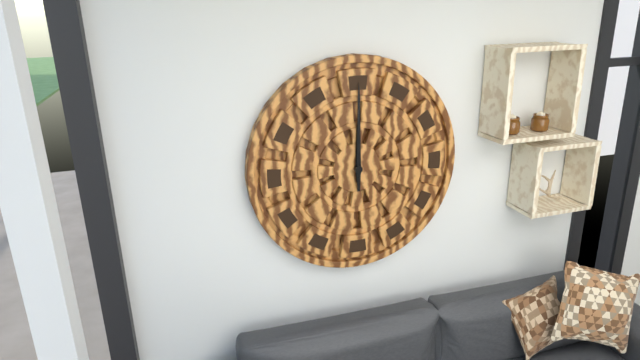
12:00
